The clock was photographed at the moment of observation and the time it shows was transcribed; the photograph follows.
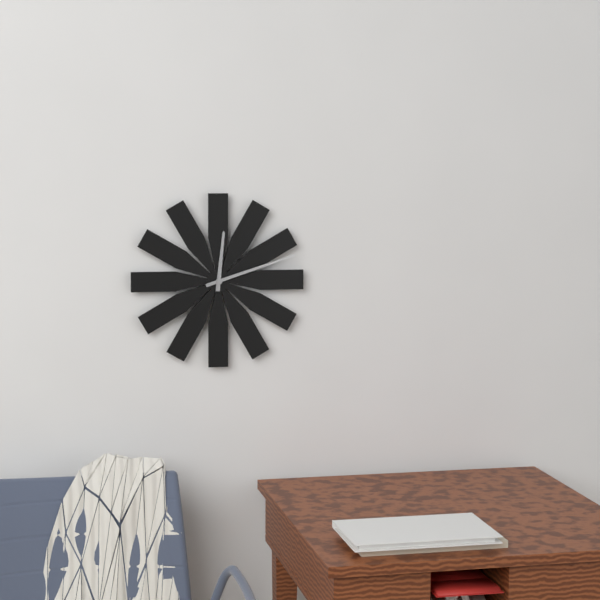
12:12
